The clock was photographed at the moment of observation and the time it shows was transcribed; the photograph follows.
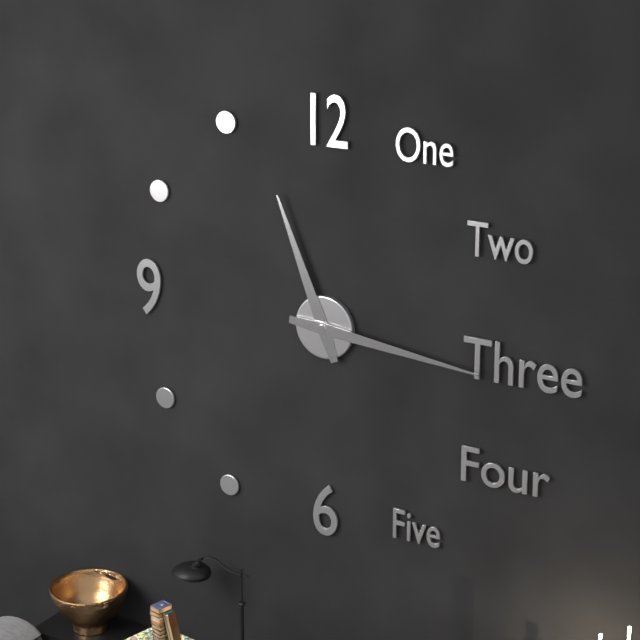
11:16
